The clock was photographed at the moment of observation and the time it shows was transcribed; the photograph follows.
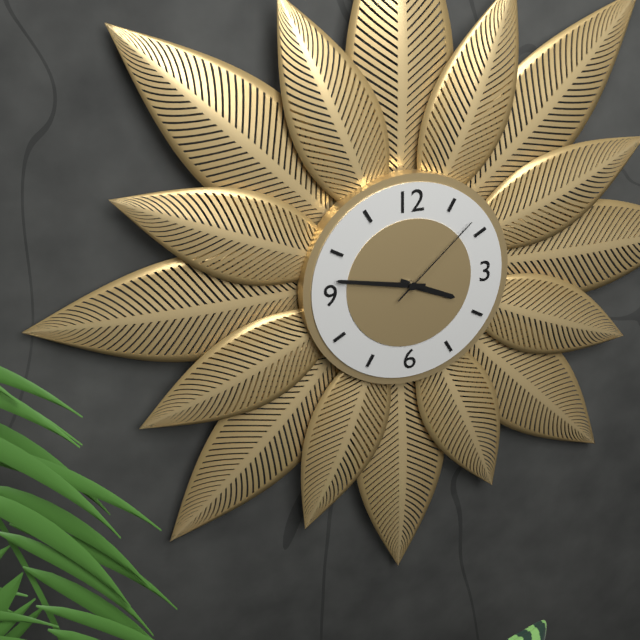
3:47:08
